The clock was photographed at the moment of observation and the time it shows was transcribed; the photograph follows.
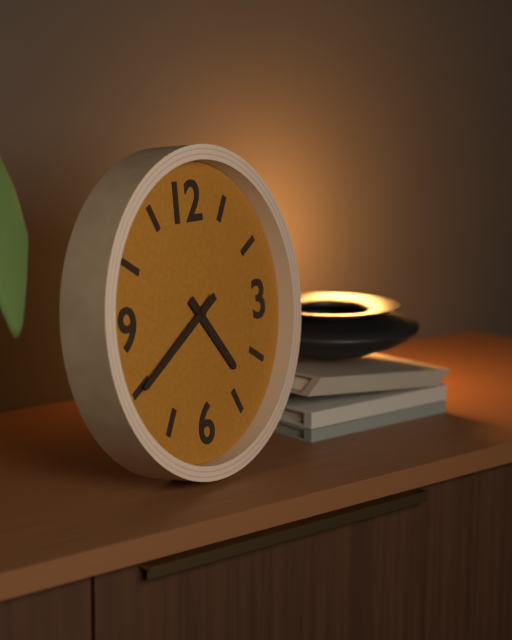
4:40
